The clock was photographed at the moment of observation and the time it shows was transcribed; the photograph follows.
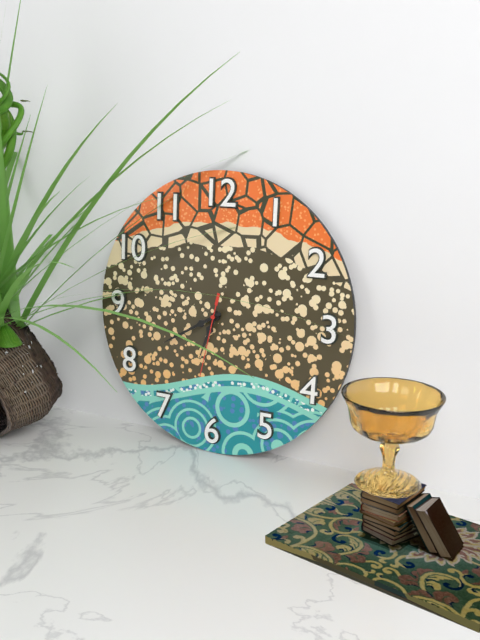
6:40:32
